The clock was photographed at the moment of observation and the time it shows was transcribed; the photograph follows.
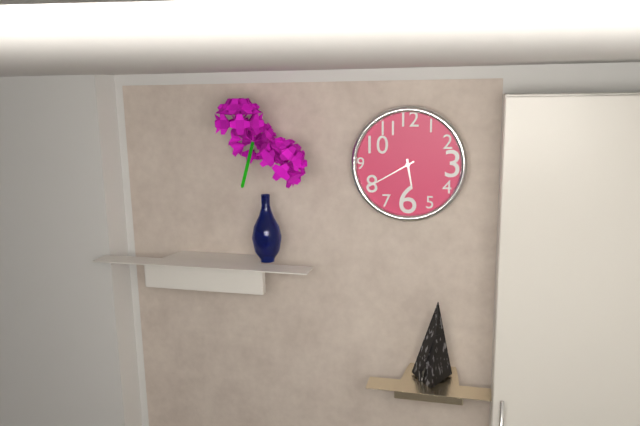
5:40
